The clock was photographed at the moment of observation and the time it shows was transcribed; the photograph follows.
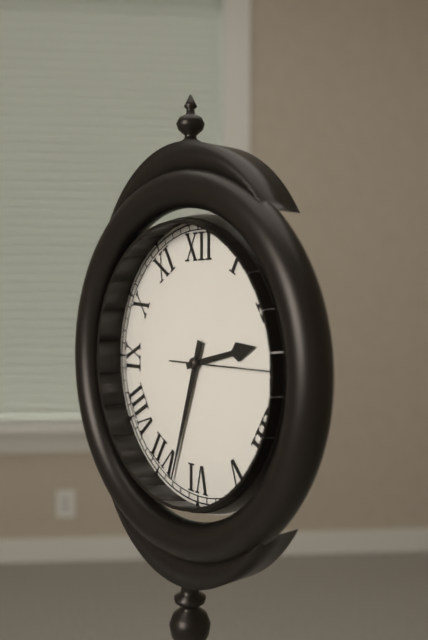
2:33:15
